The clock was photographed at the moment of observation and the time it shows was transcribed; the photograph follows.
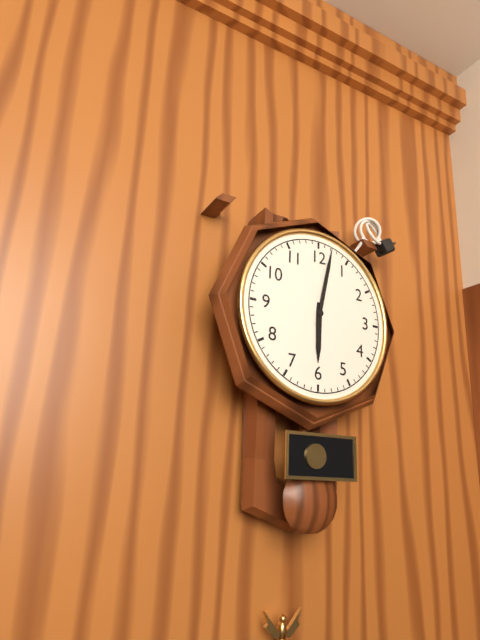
6:02
